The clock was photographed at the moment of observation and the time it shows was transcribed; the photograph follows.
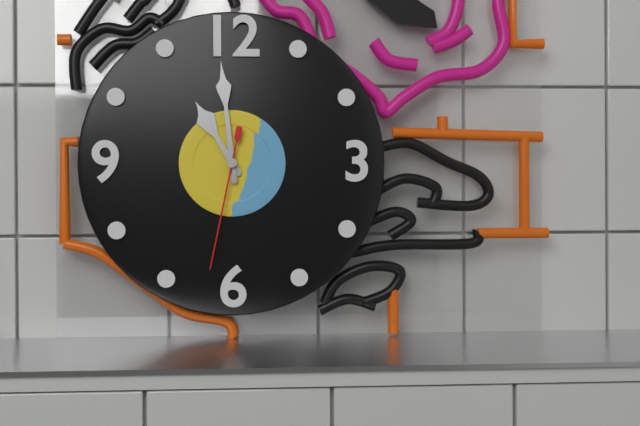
10:59:32
